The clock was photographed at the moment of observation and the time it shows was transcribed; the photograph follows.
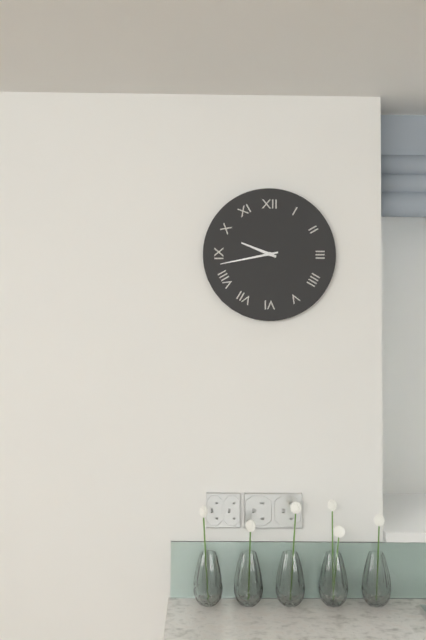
9:43
